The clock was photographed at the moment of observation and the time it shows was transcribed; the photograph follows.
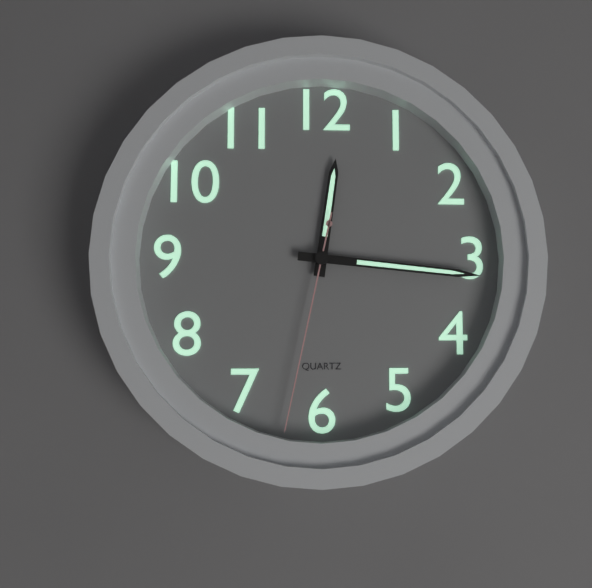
12:16:32
